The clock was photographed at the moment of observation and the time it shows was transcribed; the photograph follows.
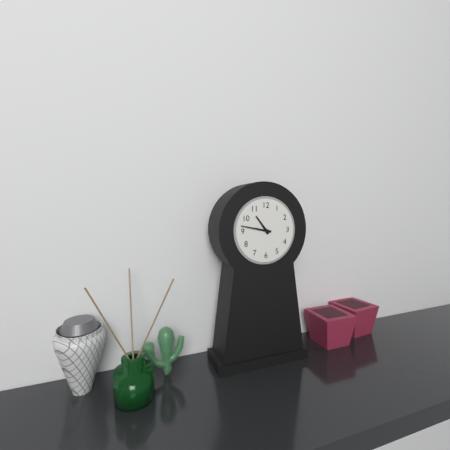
10:47
